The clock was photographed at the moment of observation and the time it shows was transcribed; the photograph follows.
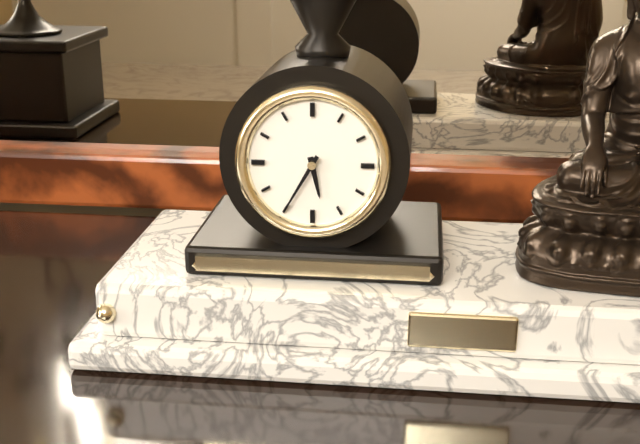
5:35
